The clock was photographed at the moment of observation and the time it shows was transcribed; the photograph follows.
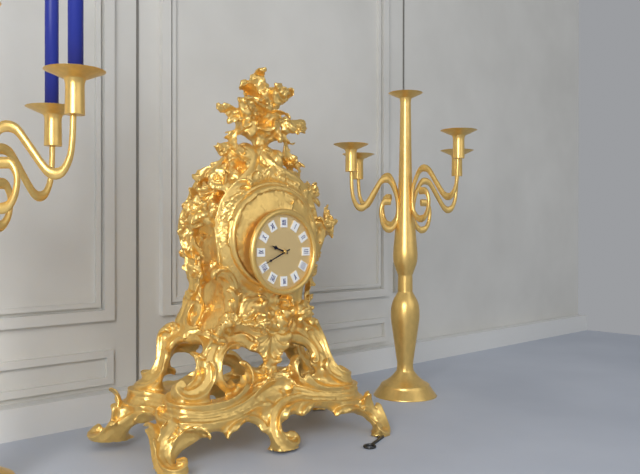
9:41
